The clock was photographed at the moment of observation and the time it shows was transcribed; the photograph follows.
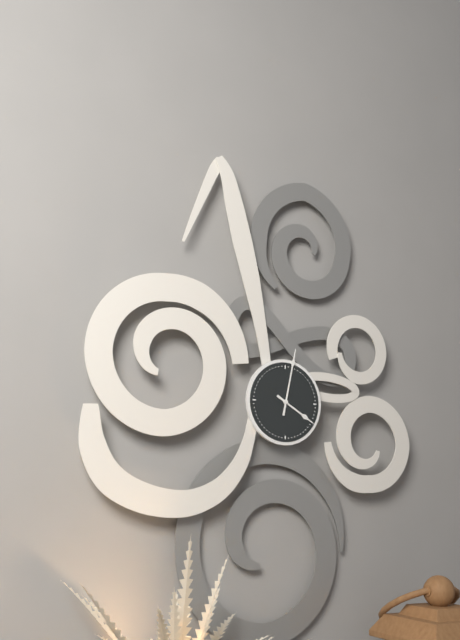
4:02
